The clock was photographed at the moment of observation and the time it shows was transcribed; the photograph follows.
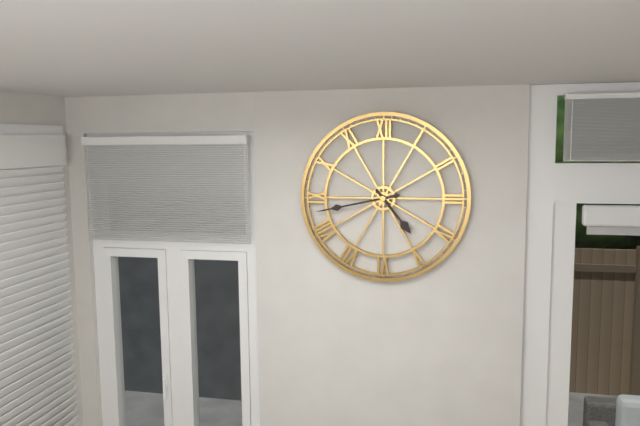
4:43
